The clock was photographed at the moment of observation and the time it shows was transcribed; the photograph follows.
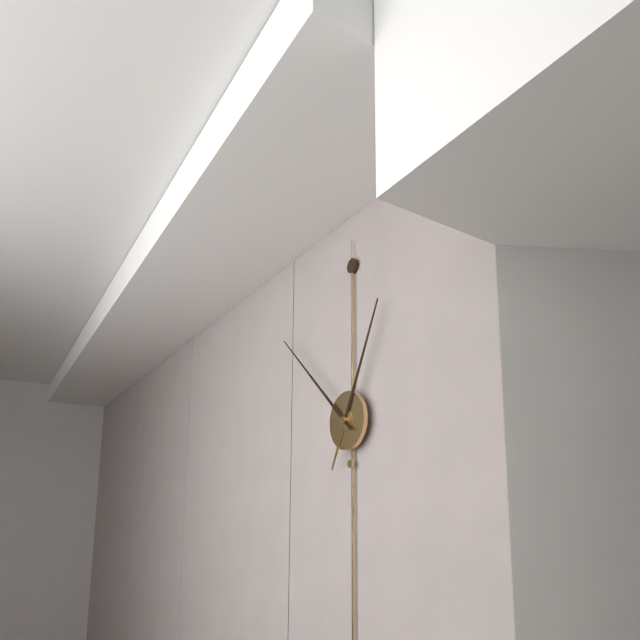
12:52
